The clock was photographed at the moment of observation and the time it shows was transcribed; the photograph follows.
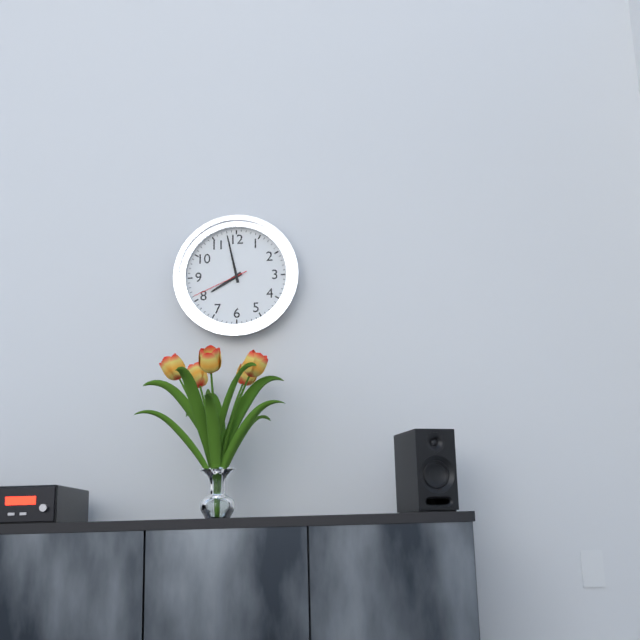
7:58:41
